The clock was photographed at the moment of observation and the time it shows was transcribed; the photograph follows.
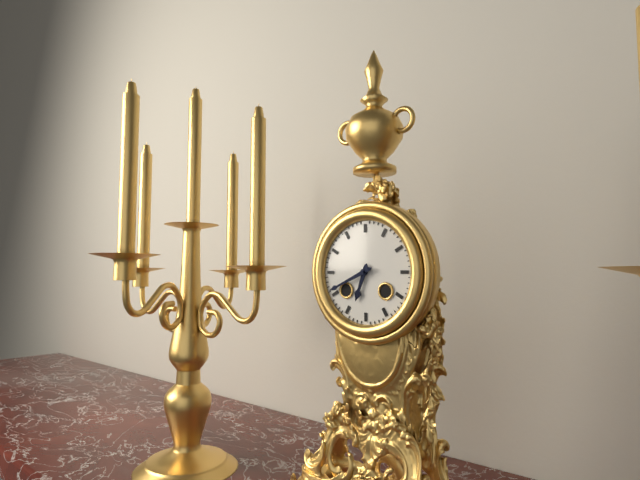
6:41
